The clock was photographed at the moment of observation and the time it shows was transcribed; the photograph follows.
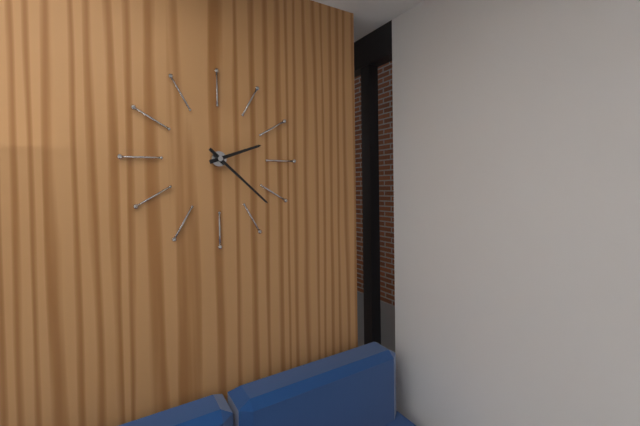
2:22
